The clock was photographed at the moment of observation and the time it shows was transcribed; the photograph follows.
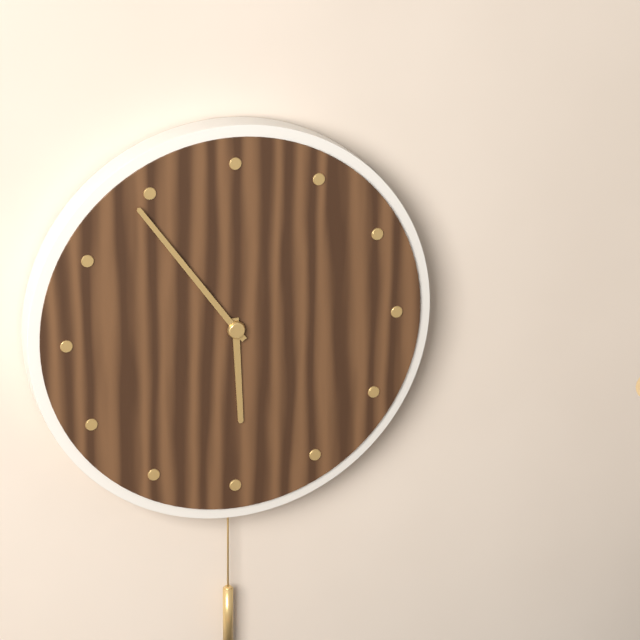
5:54
